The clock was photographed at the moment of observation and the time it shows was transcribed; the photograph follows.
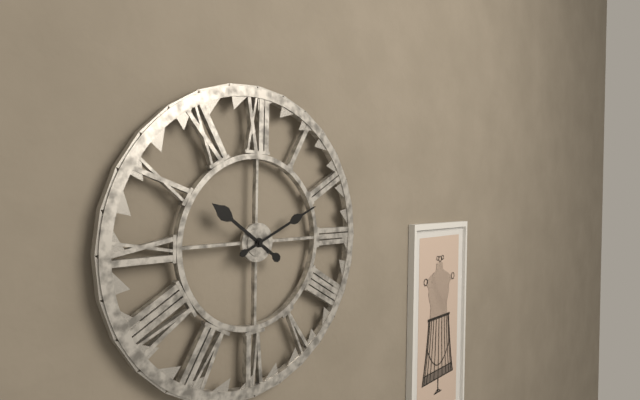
10:11
